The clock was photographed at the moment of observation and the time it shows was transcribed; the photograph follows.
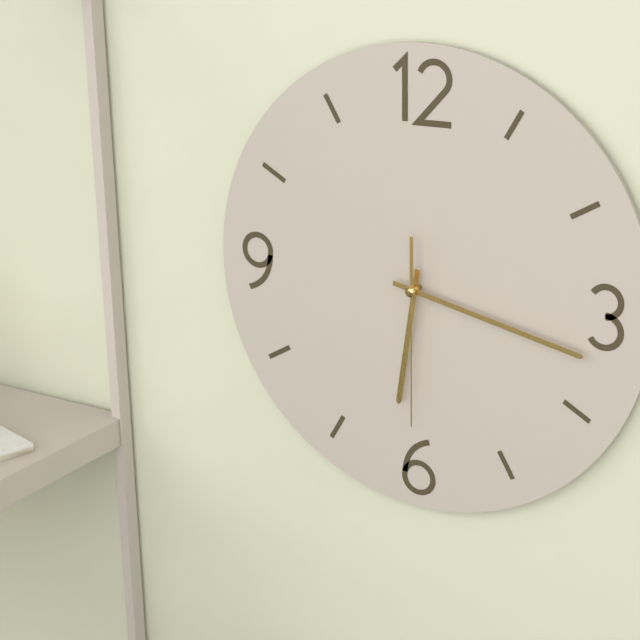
6:17:30
